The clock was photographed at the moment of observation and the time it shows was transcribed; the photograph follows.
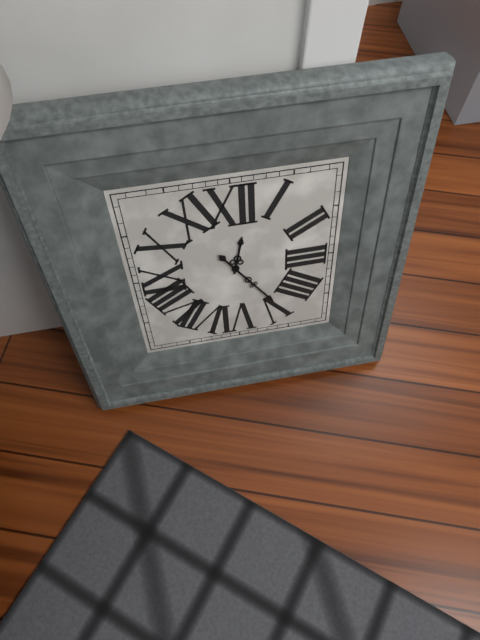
12:24
